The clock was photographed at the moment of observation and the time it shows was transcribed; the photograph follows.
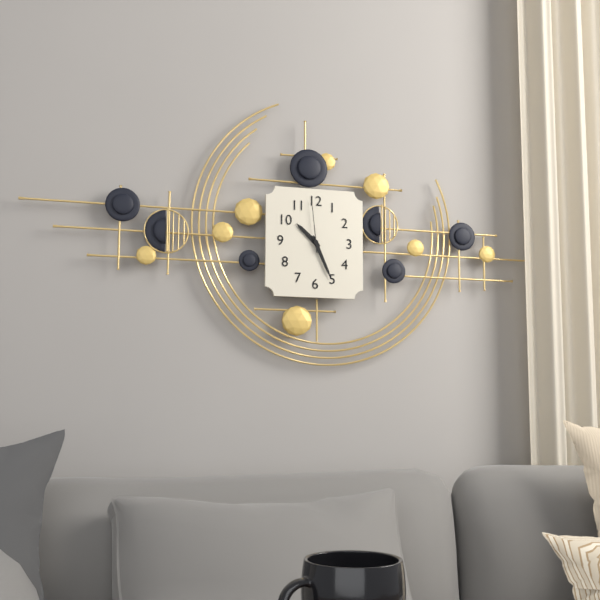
10:26:59
